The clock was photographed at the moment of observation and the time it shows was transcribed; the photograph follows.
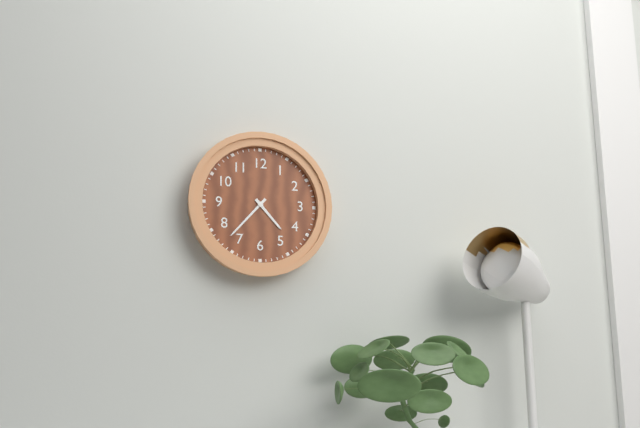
4:37
